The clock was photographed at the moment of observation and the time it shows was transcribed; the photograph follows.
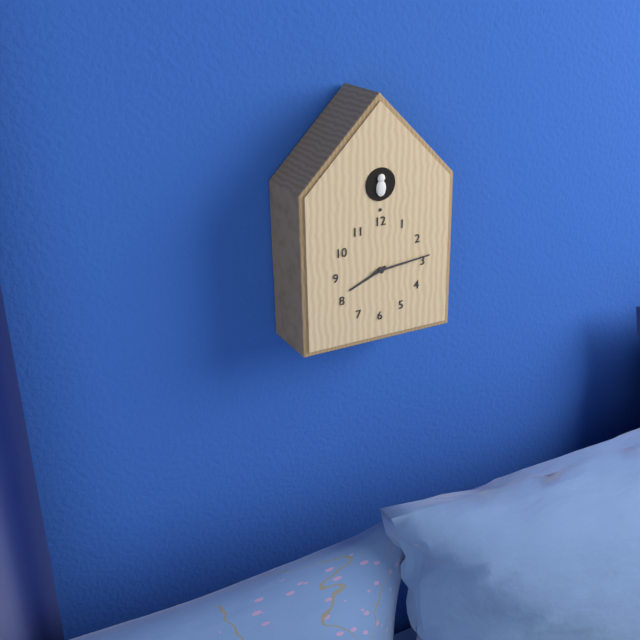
8:14
